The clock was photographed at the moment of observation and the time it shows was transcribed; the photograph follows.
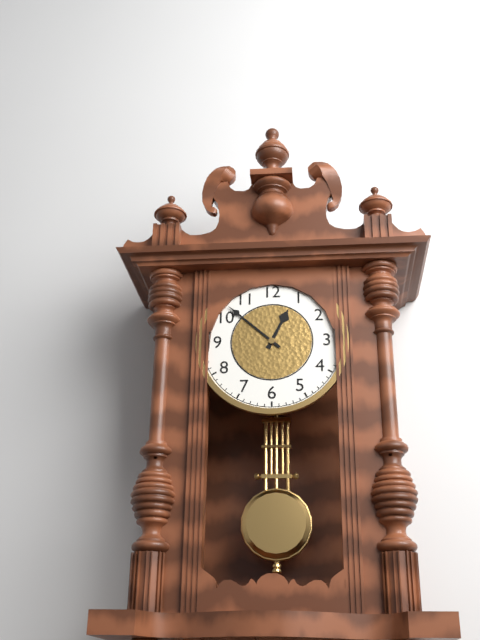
12:52
